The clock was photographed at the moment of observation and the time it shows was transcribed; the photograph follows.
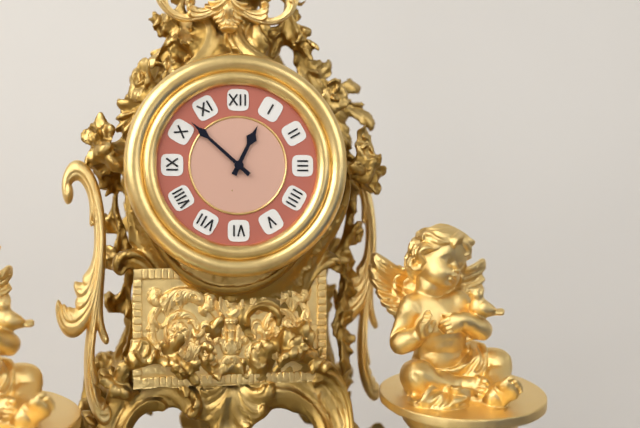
12:52
